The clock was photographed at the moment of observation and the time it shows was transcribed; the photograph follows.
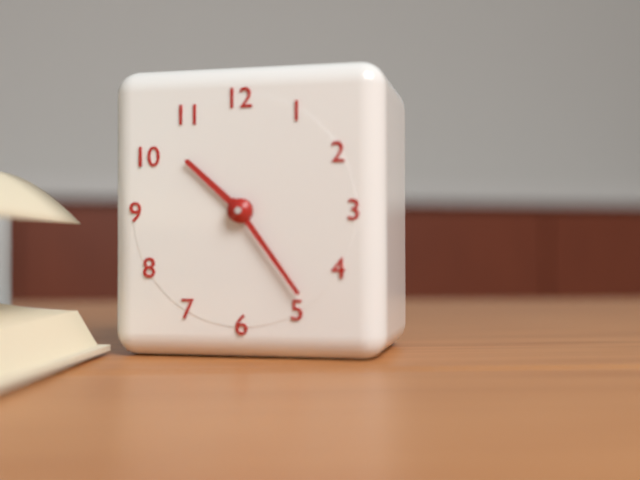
10:24
